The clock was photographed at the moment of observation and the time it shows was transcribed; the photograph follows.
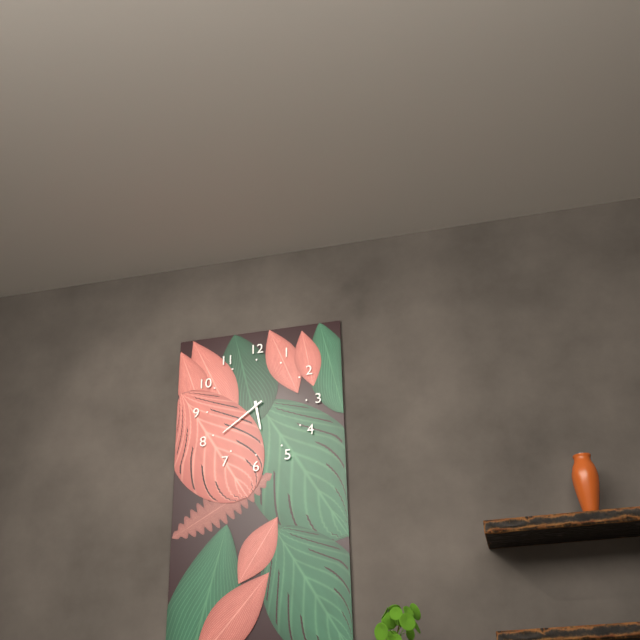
5:39
